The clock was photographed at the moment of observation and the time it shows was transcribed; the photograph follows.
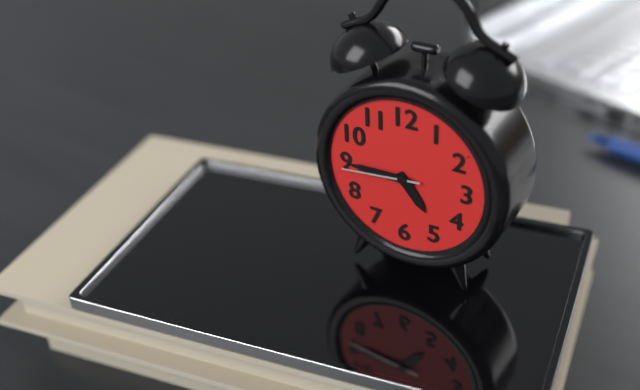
4:45:44
